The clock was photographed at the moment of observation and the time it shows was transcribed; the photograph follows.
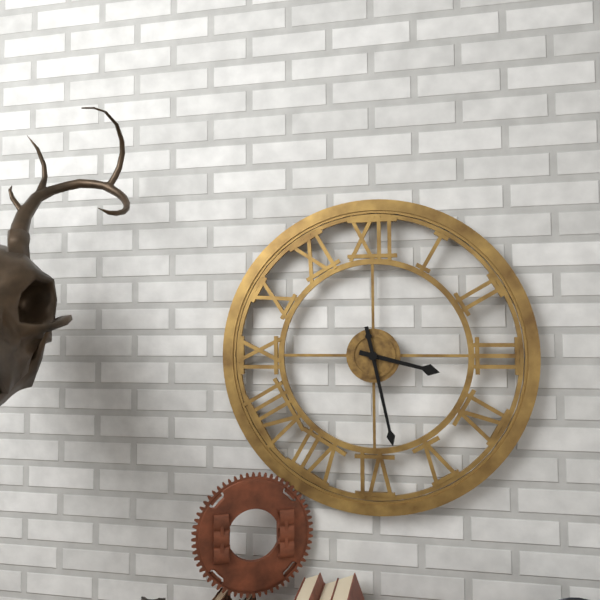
3:28
